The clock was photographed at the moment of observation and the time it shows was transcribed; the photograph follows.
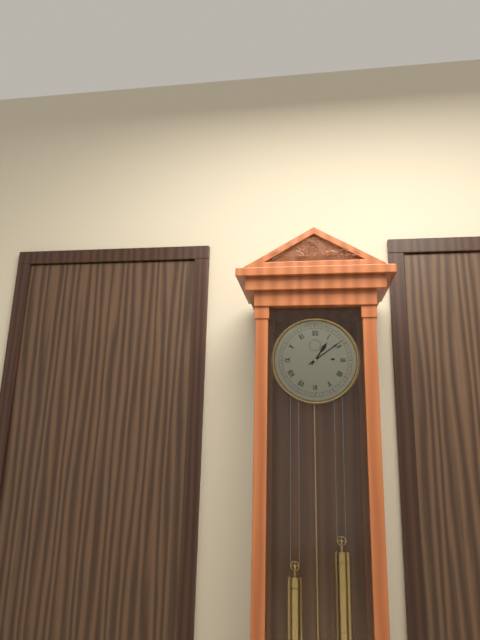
1:09
